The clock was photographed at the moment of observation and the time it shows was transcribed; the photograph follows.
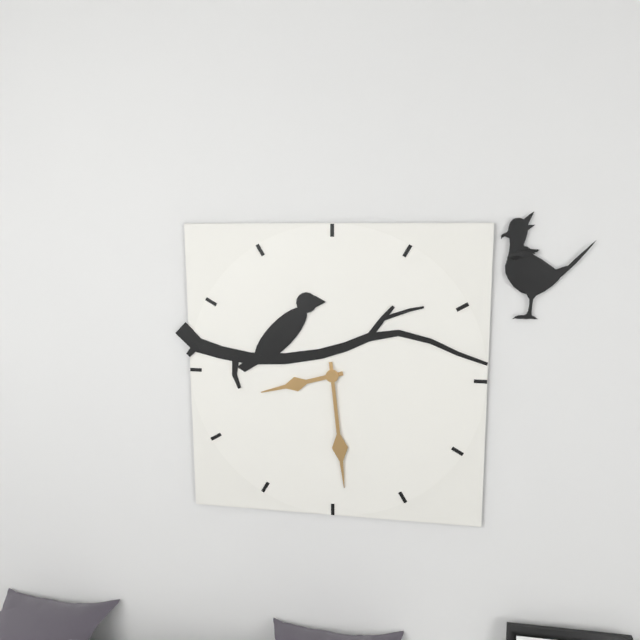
8:29
